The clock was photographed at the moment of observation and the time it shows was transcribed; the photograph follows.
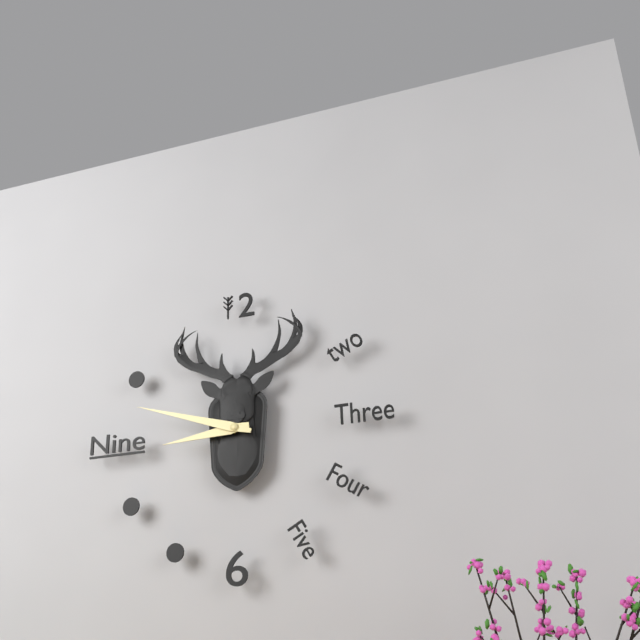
8:48
